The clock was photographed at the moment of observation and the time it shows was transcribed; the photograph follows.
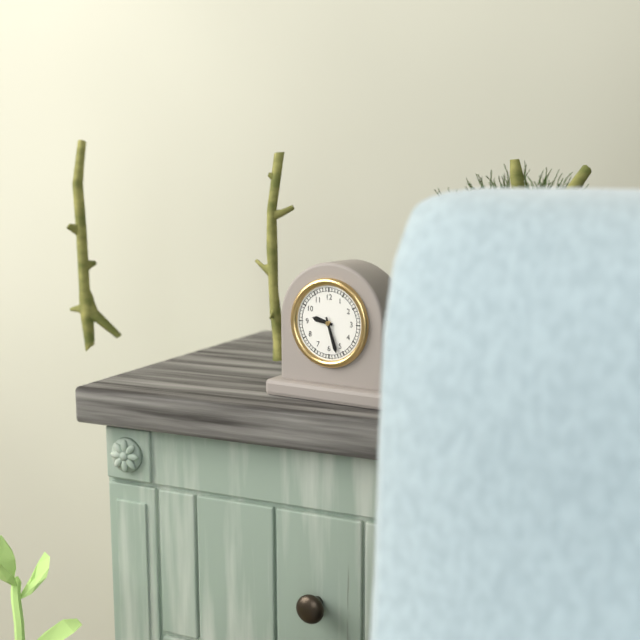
9:27
